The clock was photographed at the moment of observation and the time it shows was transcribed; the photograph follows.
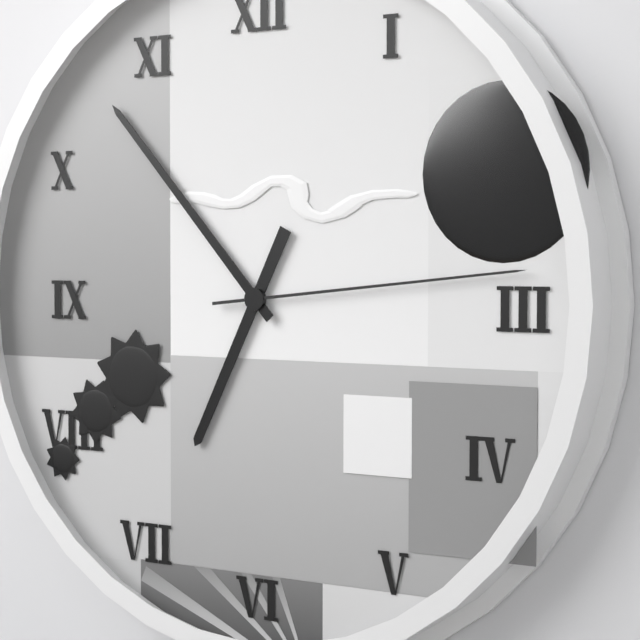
6:53:14
